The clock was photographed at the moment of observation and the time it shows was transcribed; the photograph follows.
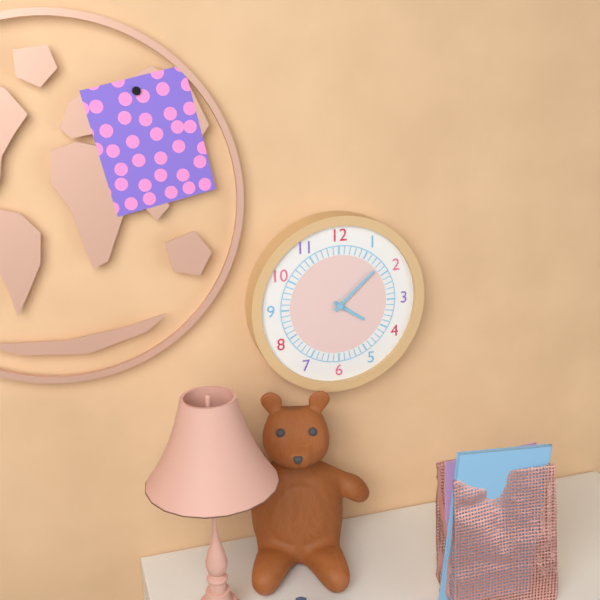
4:08
